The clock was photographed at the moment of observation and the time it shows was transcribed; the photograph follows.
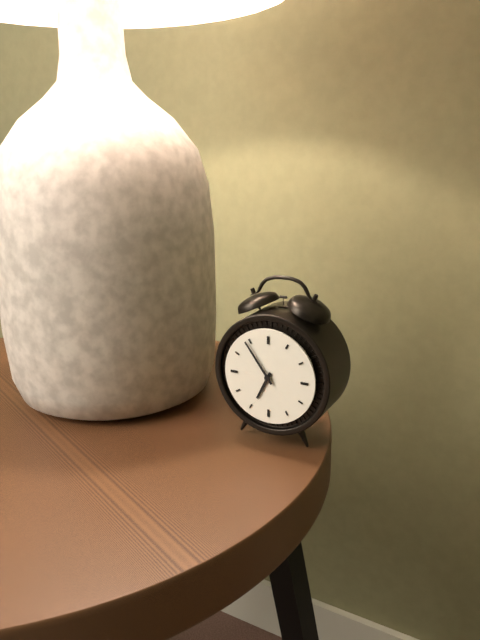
6:54
